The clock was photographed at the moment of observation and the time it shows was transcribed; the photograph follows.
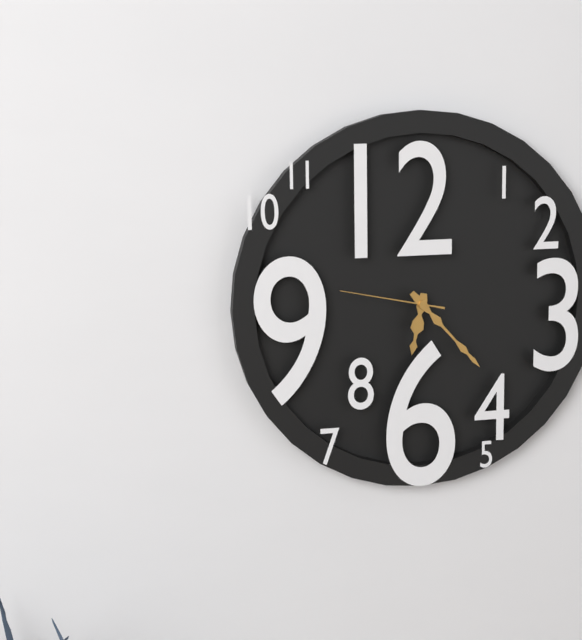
6:23:47
